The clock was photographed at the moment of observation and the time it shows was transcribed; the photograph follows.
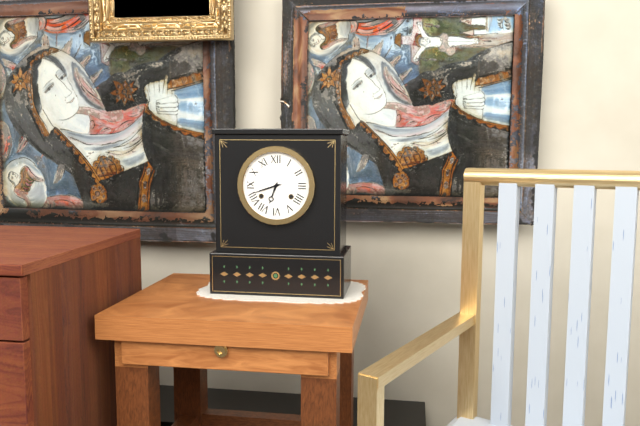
6:42
